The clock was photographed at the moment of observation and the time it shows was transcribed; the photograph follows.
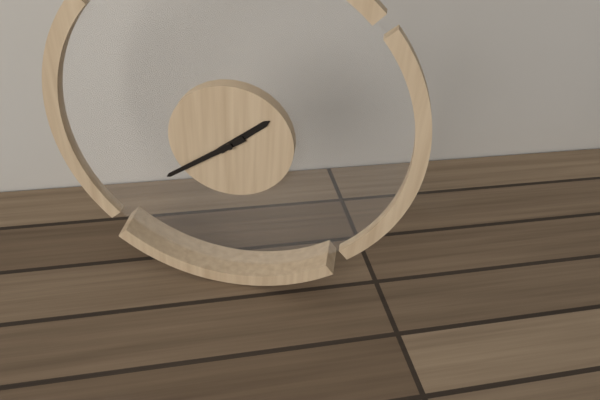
1:39
